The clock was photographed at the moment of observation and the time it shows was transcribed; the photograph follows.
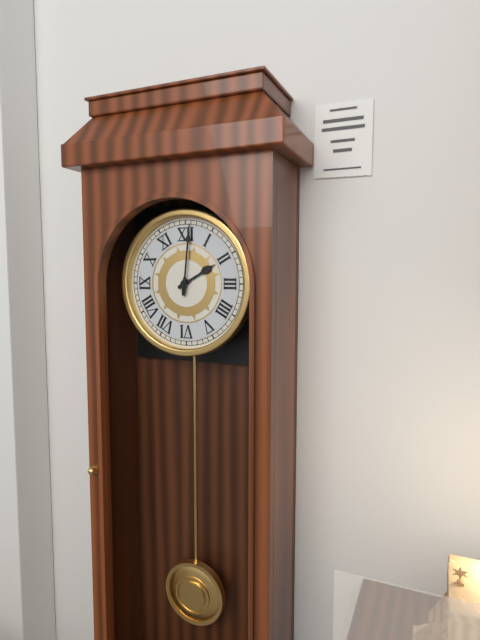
2:01
